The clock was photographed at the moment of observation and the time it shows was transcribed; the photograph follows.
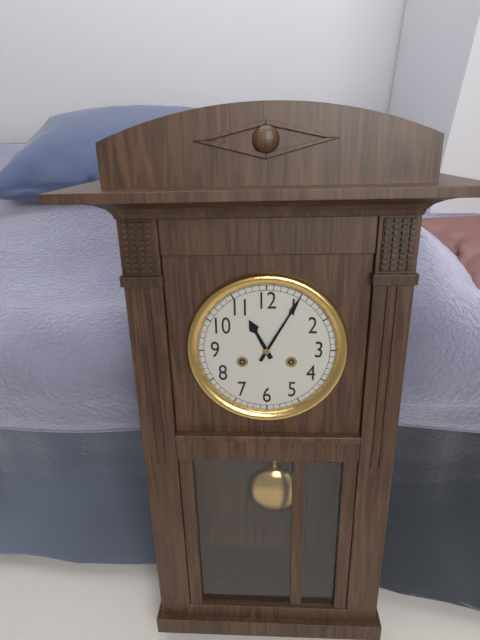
11:05
